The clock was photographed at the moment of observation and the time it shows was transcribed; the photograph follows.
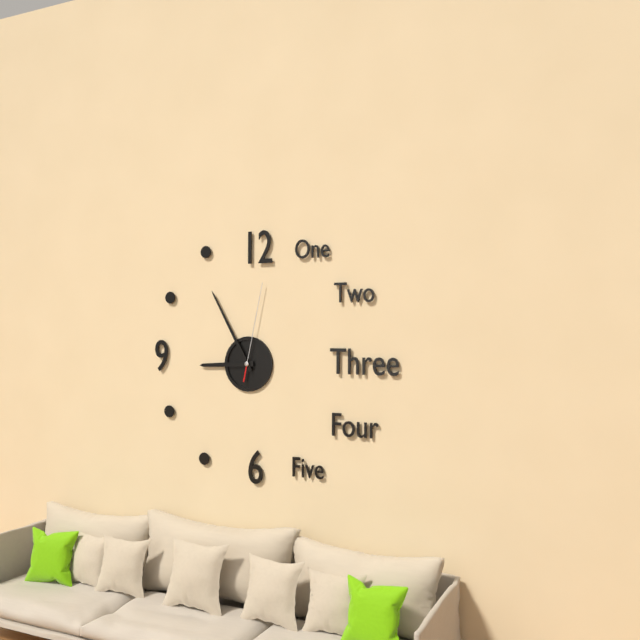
8:55:02
